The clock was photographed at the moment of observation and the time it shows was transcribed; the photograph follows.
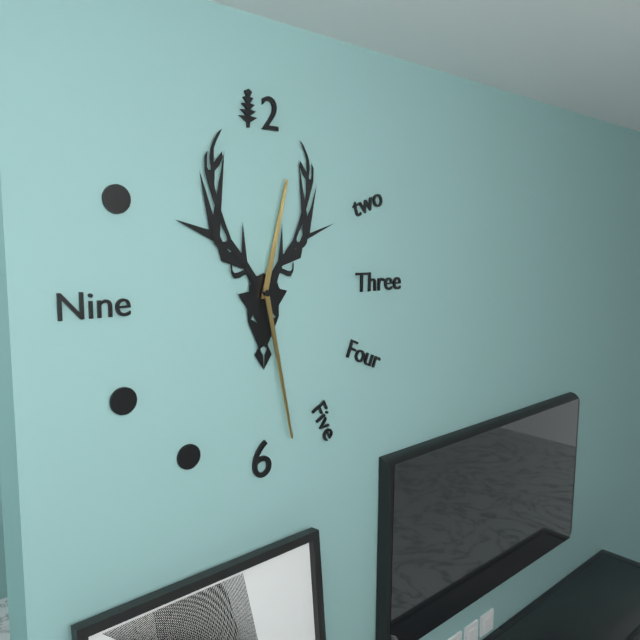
12:28
